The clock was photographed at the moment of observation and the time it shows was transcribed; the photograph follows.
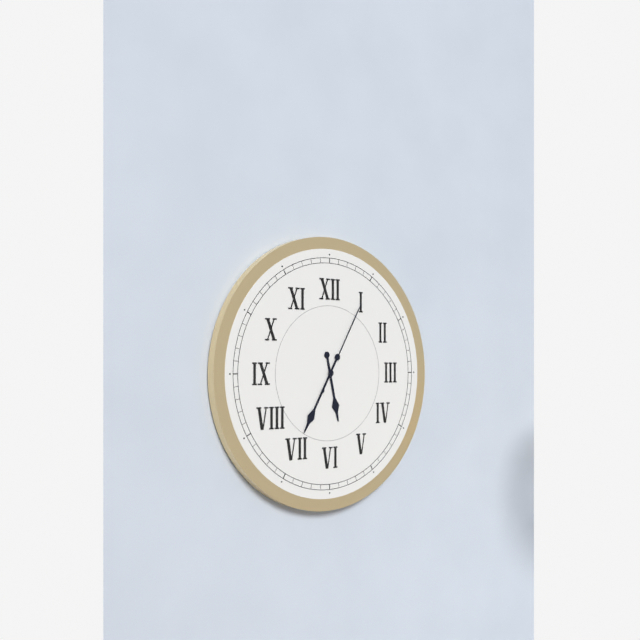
5:35:05
